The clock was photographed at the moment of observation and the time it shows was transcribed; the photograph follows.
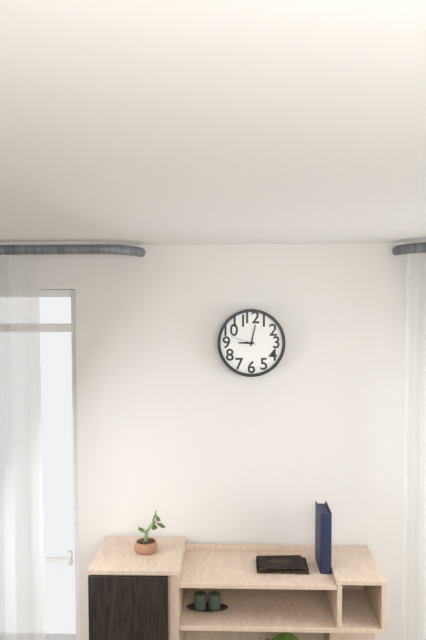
9:02
